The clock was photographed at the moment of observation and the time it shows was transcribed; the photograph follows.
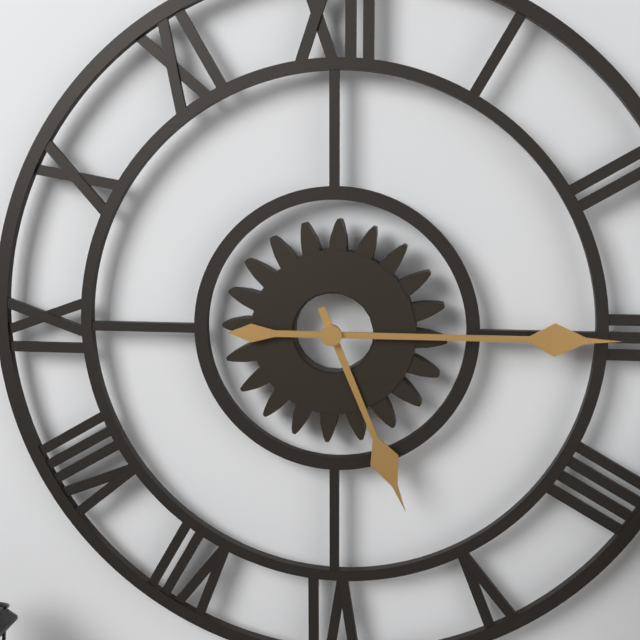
5:15
